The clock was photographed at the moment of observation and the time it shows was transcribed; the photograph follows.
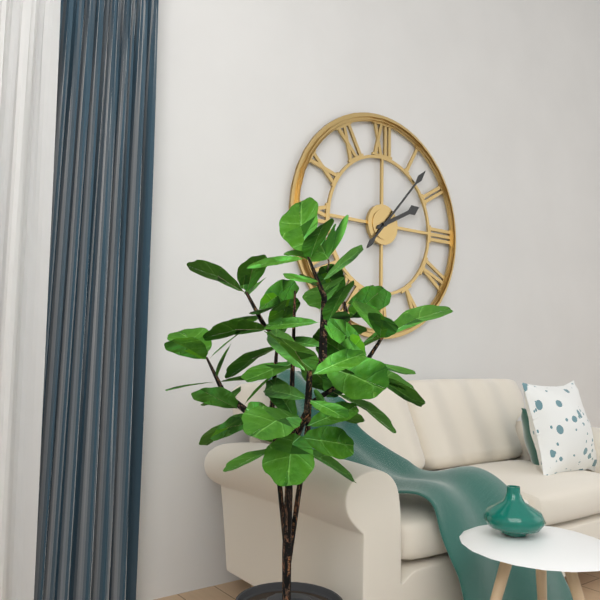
2:07
